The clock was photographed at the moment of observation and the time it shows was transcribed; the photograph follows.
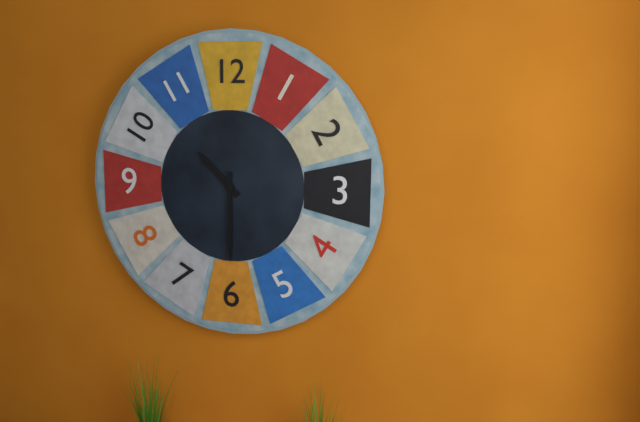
10:30
